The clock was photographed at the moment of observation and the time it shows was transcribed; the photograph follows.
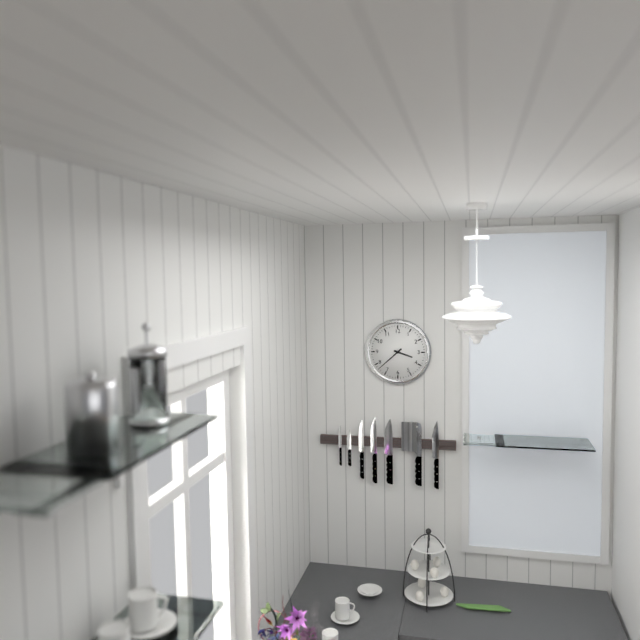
3:38
